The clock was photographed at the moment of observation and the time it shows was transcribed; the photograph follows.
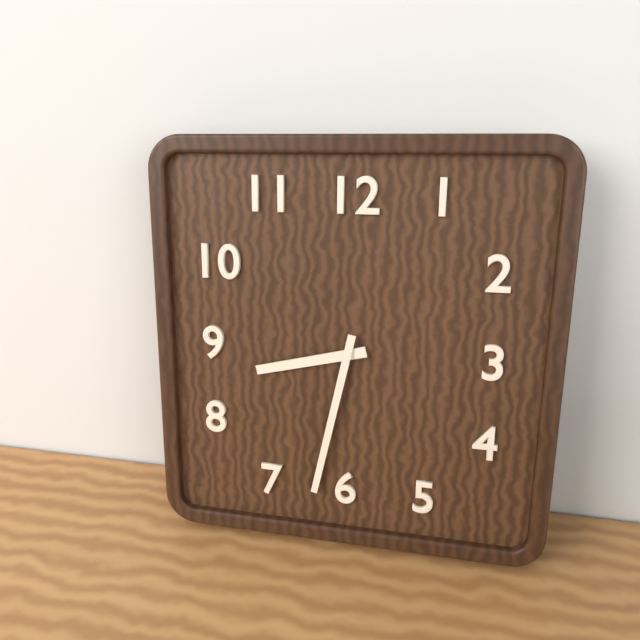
8:32
